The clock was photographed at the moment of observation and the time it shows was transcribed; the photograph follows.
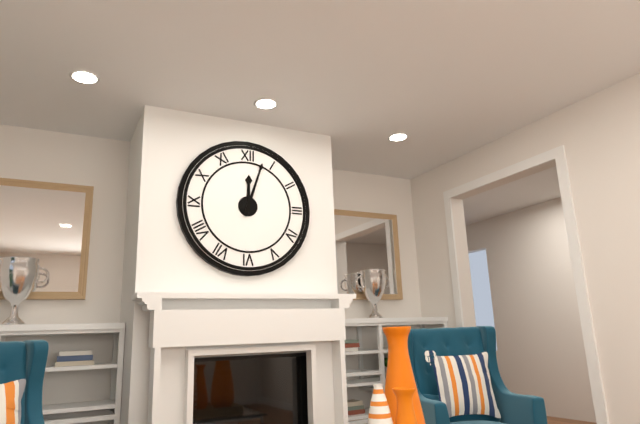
12:03
